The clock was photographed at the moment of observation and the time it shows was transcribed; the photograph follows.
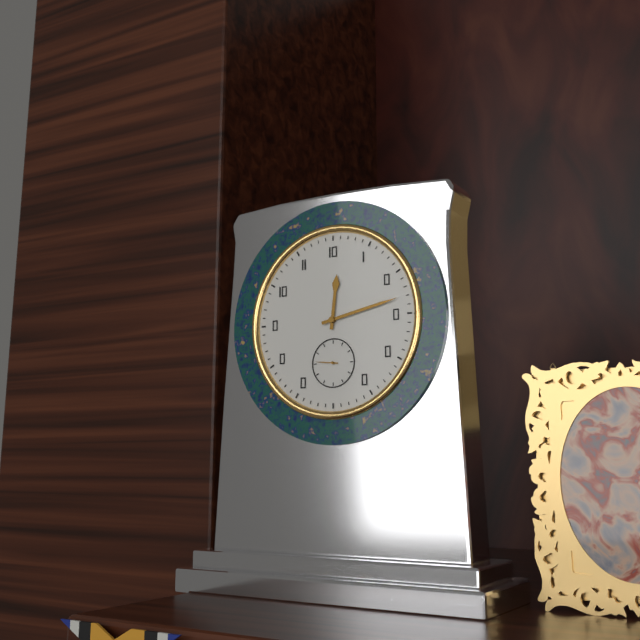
12:13
